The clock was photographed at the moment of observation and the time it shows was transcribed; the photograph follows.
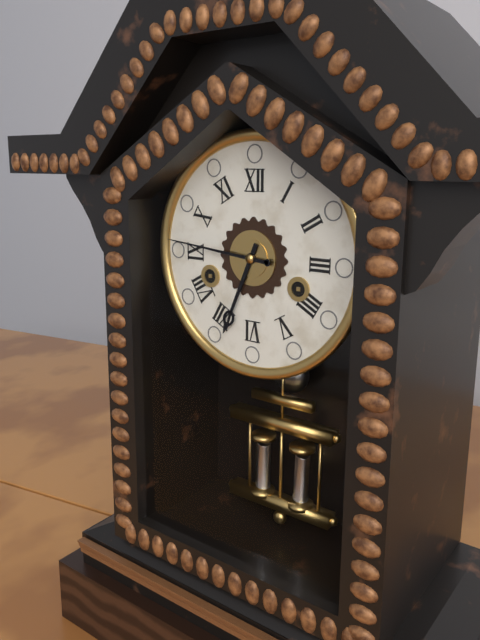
6:46
